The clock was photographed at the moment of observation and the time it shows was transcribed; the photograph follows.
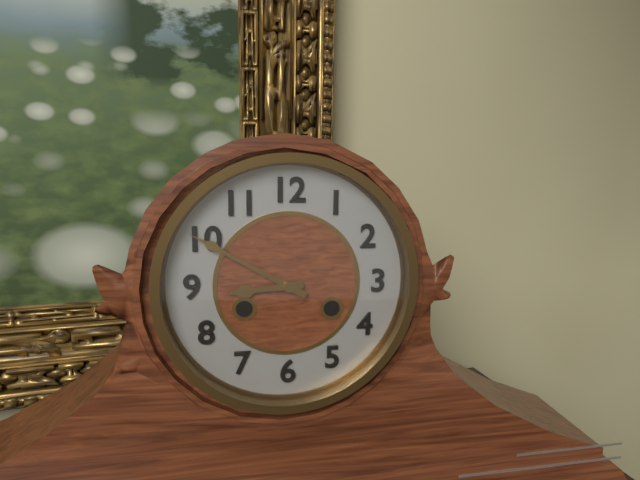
8:50
